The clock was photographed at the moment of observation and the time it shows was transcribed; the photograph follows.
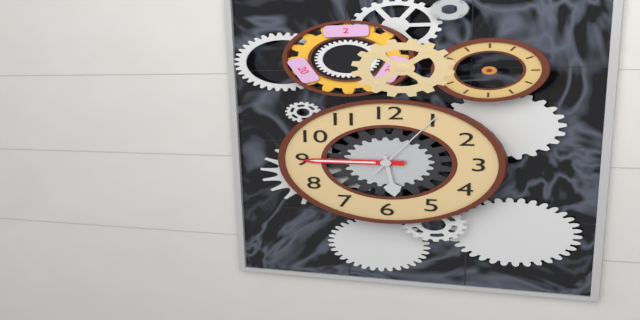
5:45:05
